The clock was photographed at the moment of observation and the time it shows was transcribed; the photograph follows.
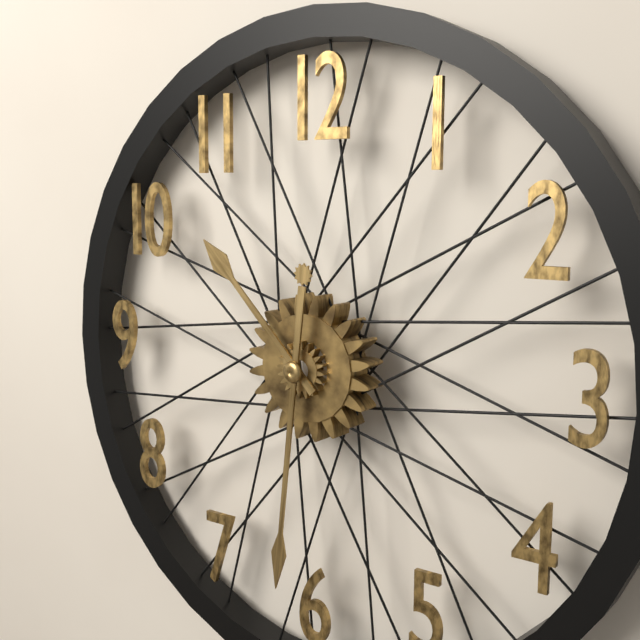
10:31
